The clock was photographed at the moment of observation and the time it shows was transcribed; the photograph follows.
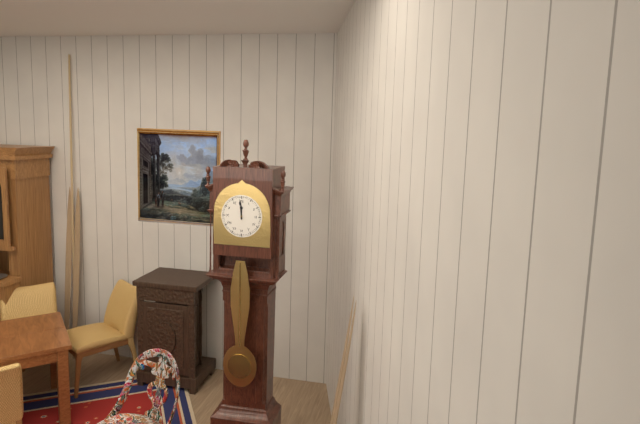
11:59
